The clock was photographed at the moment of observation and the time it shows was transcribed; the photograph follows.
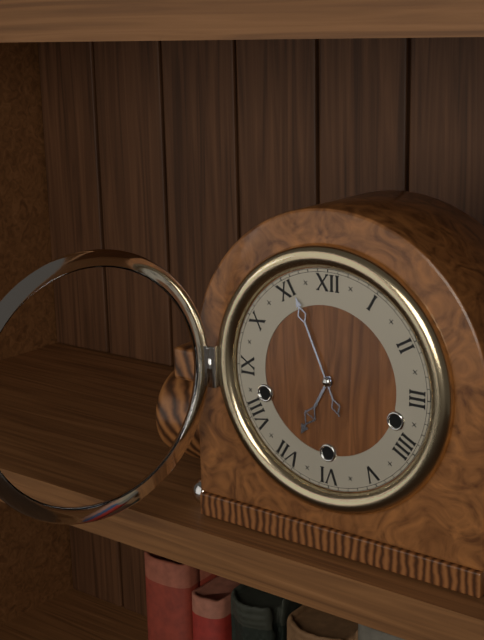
6:56
